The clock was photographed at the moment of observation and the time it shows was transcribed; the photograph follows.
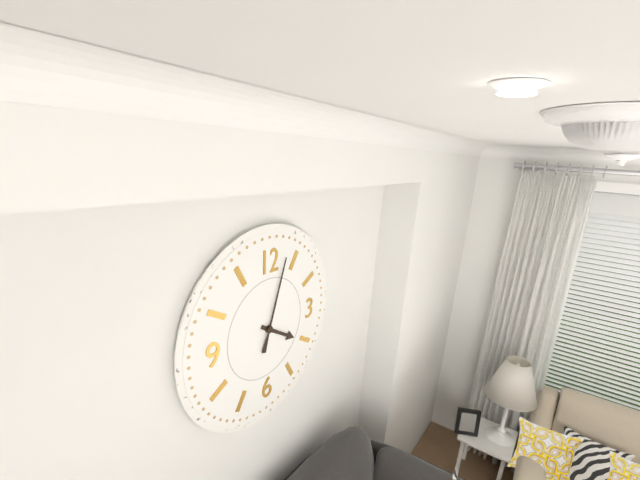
4:03
